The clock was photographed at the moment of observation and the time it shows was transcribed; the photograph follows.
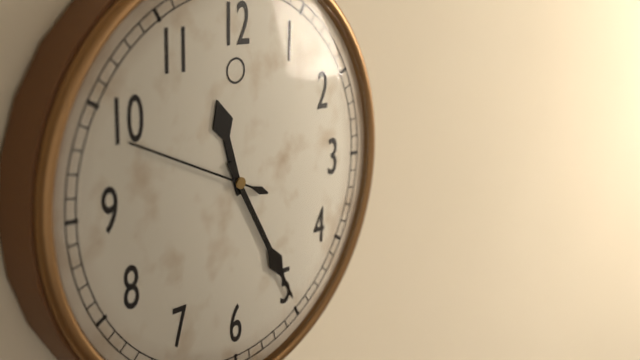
11:25:49
